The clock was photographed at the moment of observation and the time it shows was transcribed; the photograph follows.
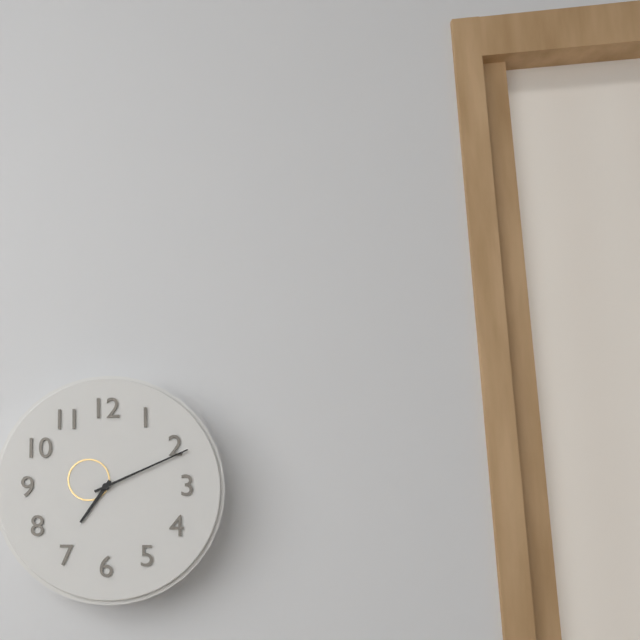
7:11
